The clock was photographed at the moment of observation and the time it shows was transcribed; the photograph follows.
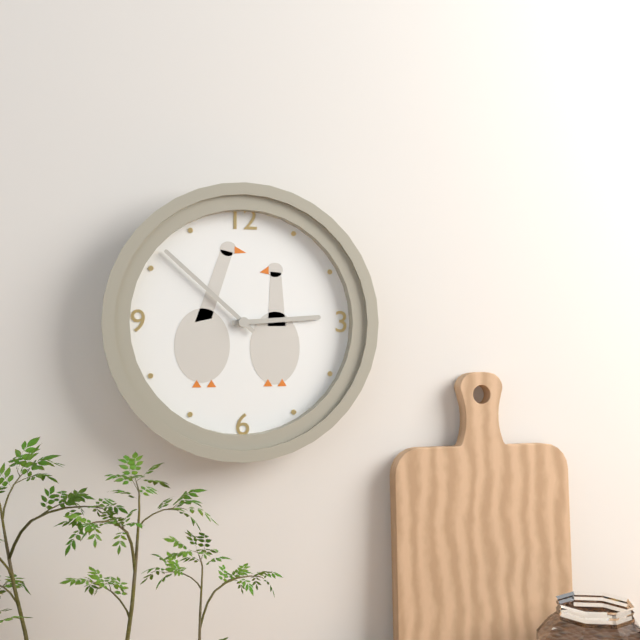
2:52
